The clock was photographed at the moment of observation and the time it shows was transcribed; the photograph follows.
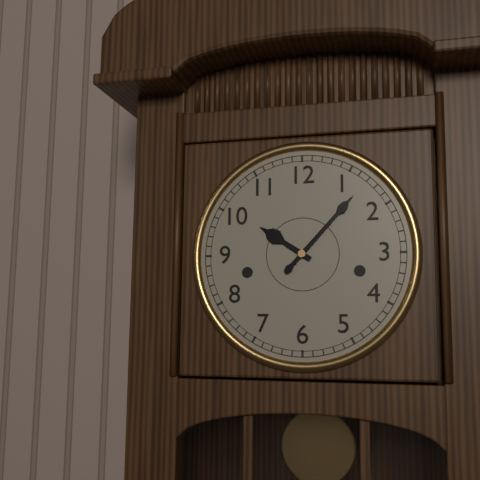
10:07
